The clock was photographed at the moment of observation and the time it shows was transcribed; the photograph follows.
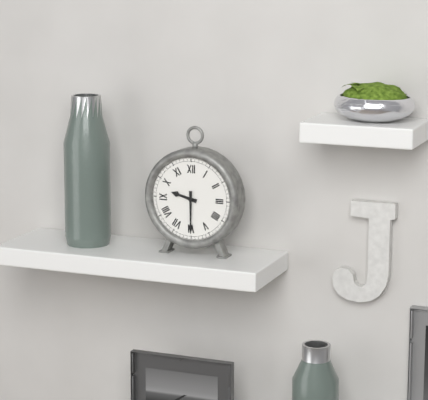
9:30
